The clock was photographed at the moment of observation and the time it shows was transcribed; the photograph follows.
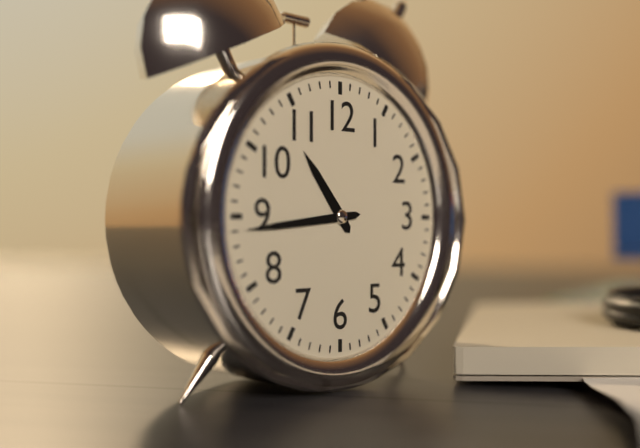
10:44
